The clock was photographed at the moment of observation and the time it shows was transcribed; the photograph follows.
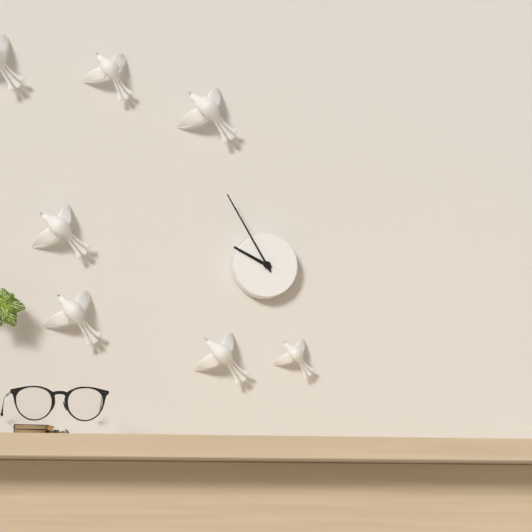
9:55
